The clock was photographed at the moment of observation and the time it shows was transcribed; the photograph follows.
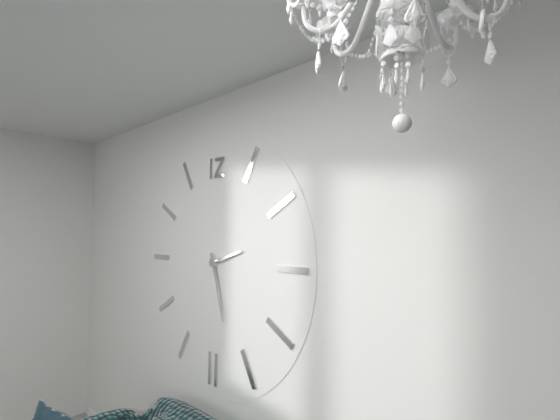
2:27
